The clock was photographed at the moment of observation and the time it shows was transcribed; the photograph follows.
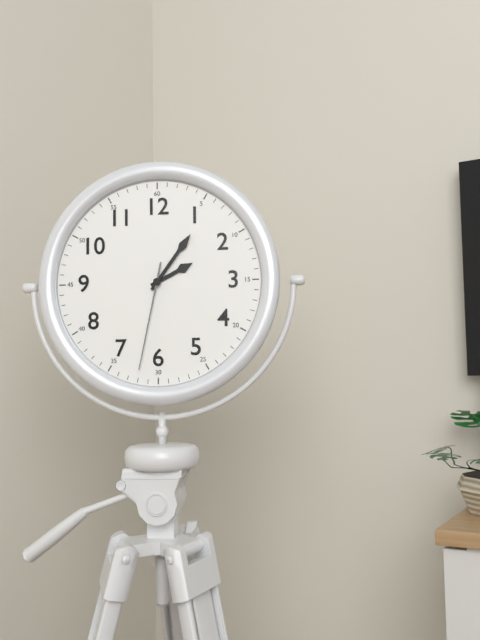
2:06:32
